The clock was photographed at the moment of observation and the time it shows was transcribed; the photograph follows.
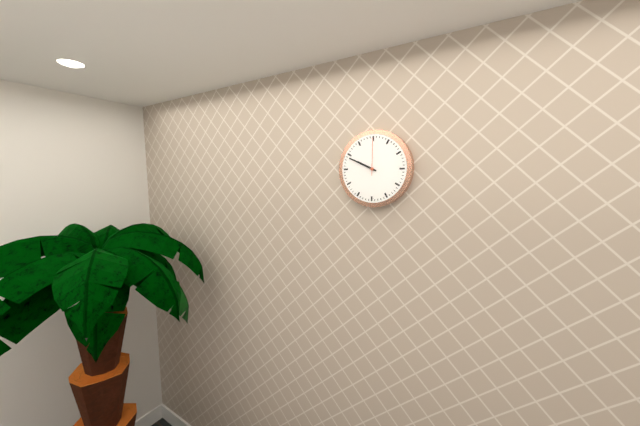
9:49
